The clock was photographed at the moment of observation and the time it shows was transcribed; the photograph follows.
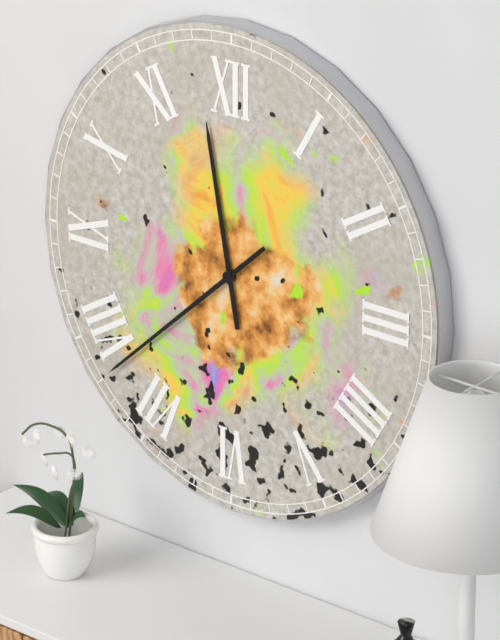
11:38
